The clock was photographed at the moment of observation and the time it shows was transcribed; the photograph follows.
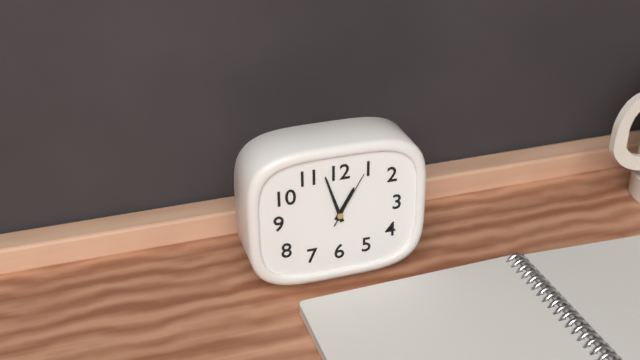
12:57:05
